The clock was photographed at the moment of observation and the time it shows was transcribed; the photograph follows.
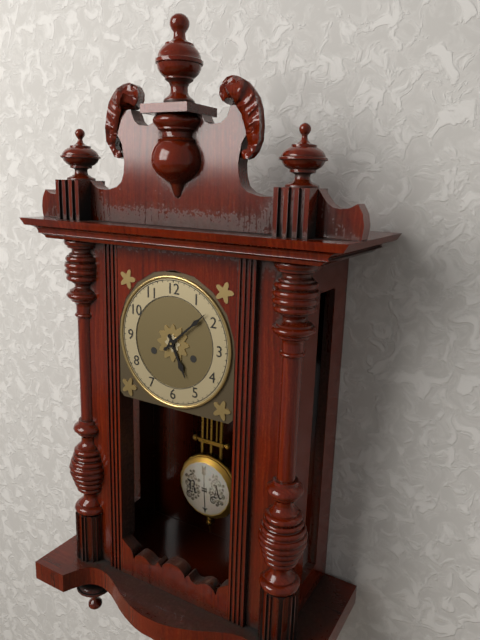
5:08
